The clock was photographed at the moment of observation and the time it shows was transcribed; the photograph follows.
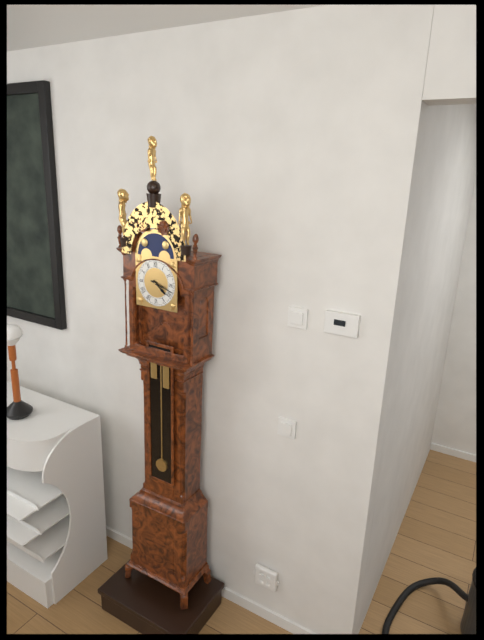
4:18
